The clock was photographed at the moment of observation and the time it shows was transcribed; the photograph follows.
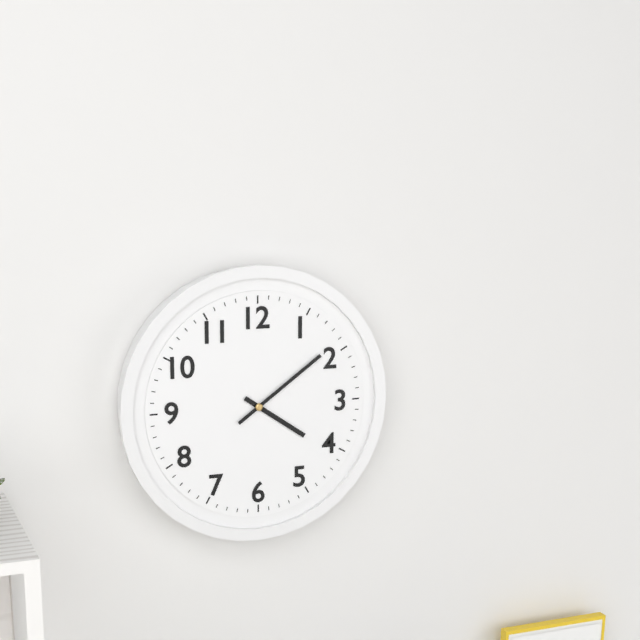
4:09
